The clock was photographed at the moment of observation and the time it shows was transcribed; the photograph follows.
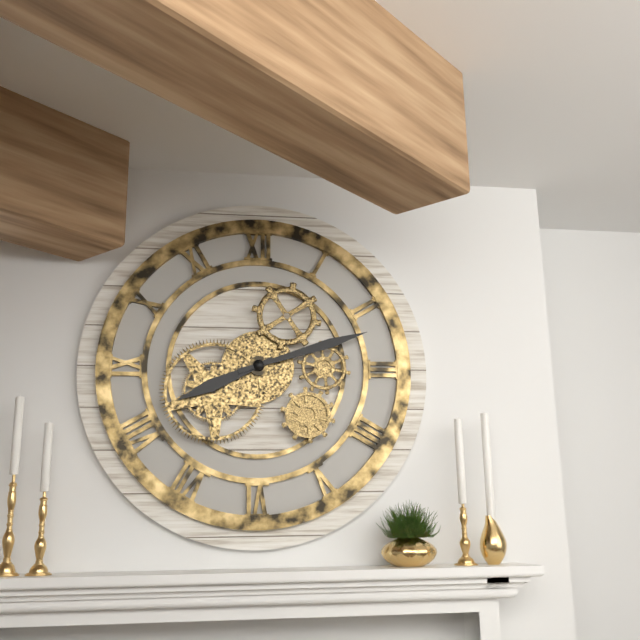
8:12
